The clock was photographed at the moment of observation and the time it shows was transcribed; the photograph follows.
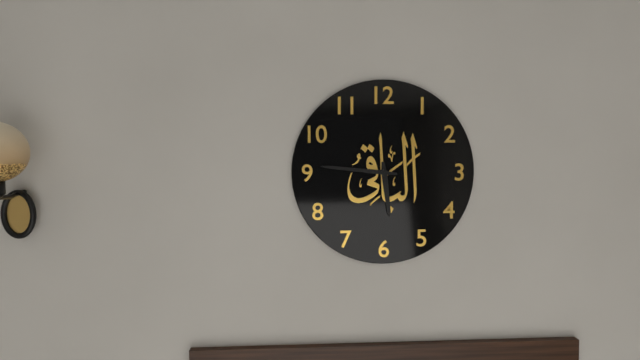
5:46
